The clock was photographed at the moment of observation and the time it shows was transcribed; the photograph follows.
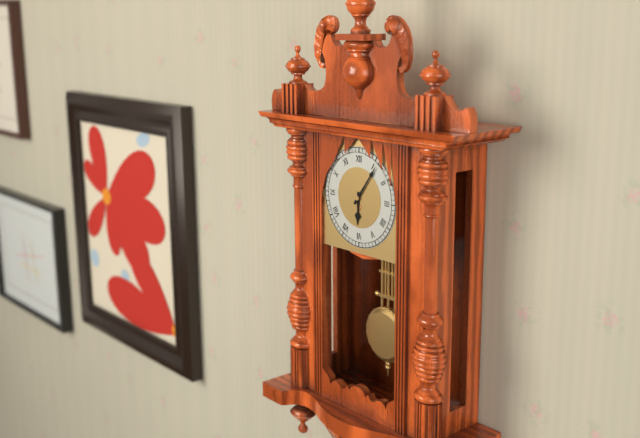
6:06
